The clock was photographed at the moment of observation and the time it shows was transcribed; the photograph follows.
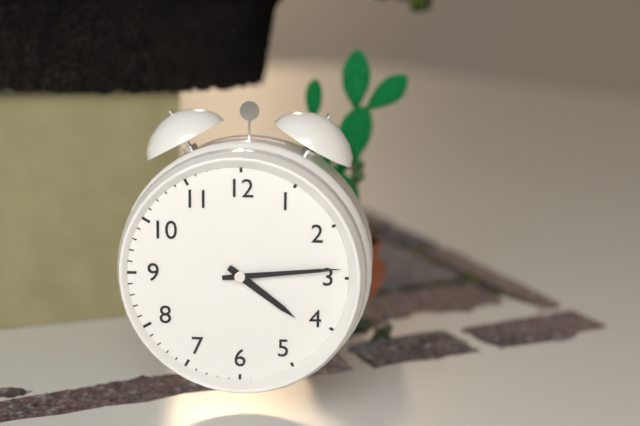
4:14
